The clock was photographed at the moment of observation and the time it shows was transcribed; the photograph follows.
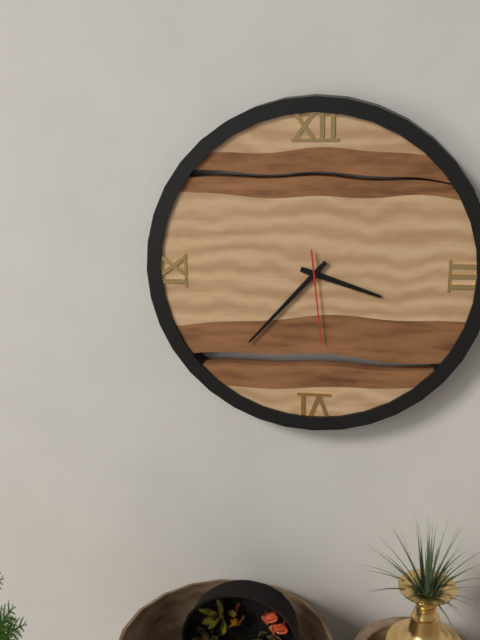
3:37:29
